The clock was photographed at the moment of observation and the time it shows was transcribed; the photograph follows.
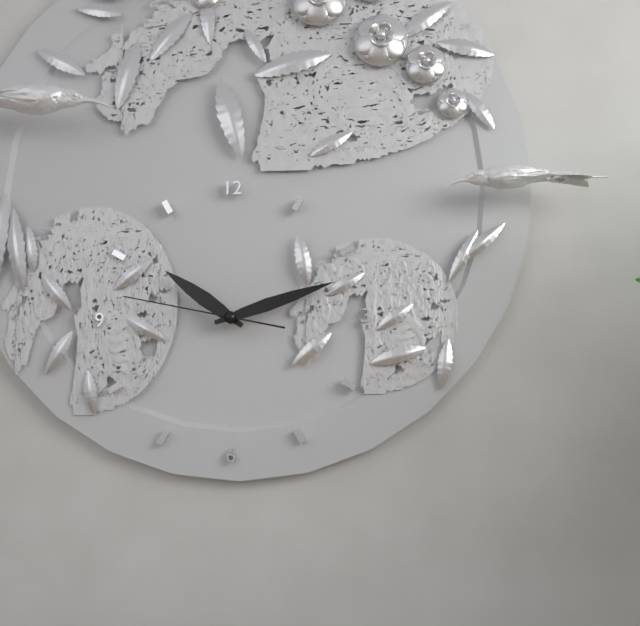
10:12:47
